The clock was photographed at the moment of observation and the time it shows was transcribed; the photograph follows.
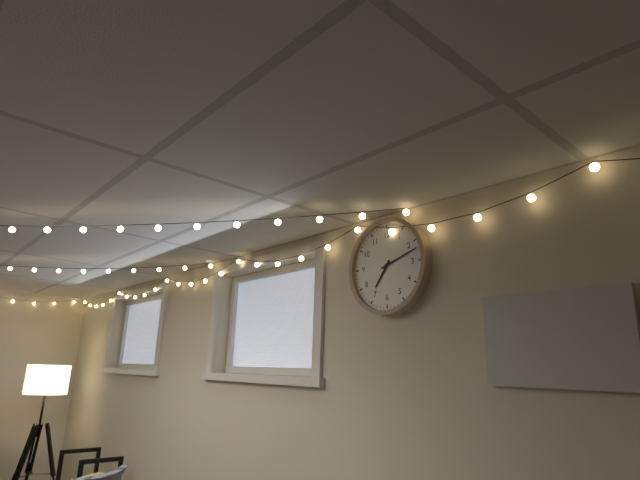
7:12
